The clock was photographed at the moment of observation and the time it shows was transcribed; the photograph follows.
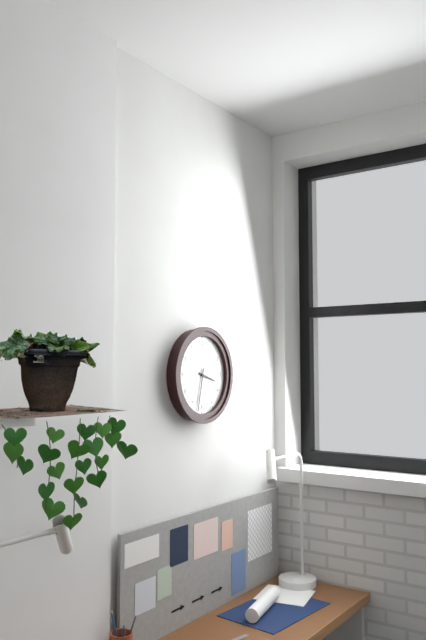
3:32
